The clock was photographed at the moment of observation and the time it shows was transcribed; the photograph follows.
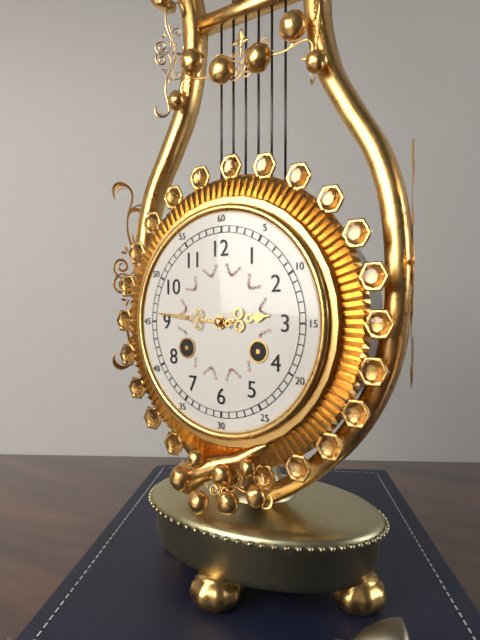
2:46
